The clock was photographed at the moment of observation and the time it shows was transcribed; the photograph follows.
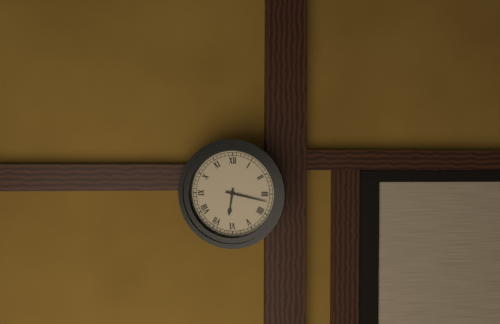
6:17
